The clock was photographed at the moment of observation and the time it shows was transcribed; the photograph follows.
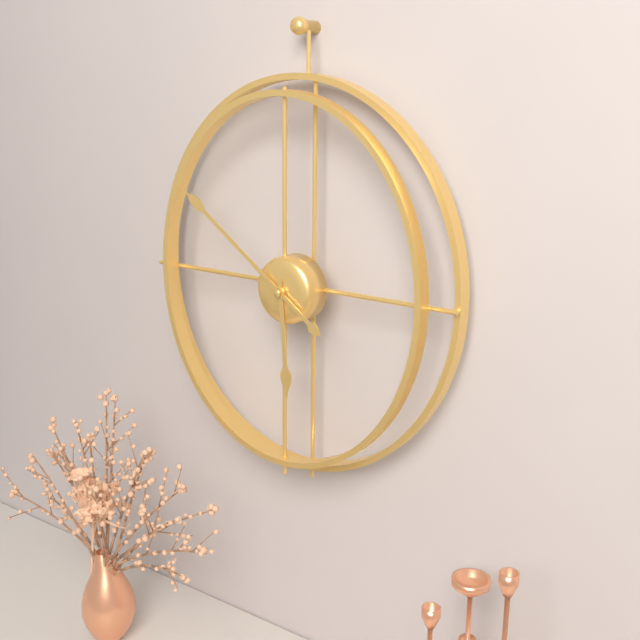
5:51
